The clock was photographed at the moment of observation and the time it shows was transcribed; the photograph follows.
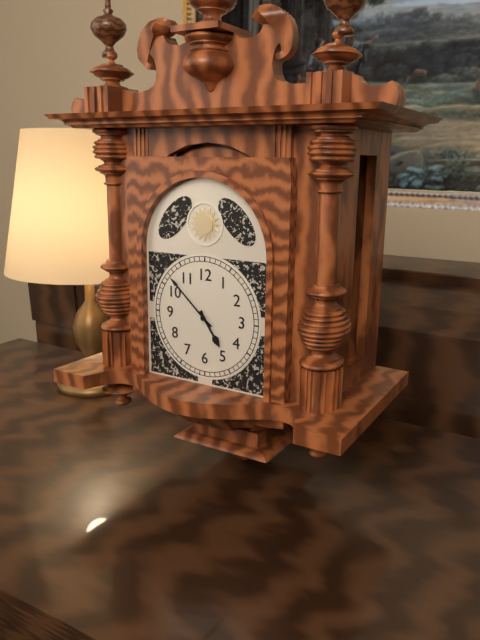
4:52
